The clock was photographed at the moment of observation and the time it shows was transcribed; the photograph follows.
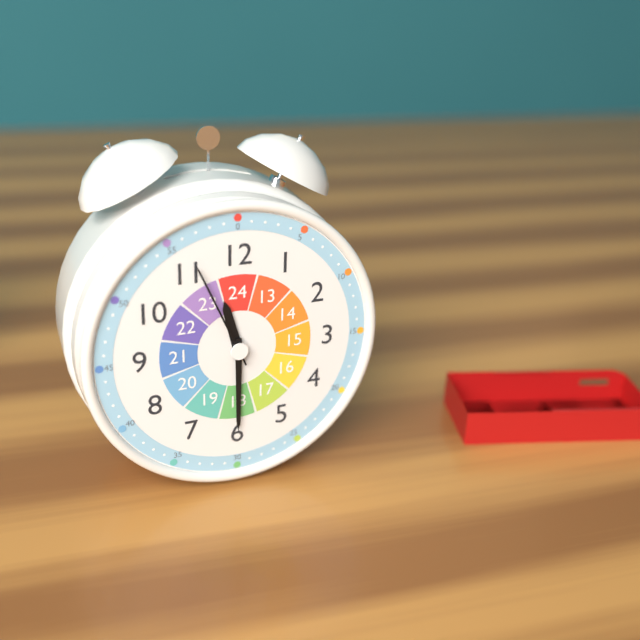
11:30:56
